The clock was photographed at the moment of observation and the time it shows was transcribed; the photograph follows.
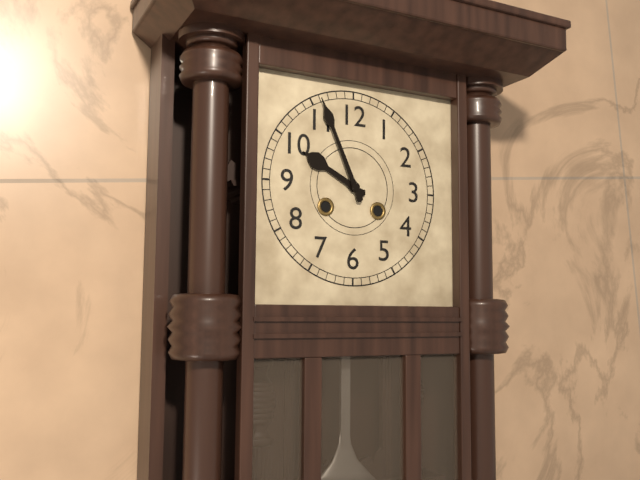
9:56
